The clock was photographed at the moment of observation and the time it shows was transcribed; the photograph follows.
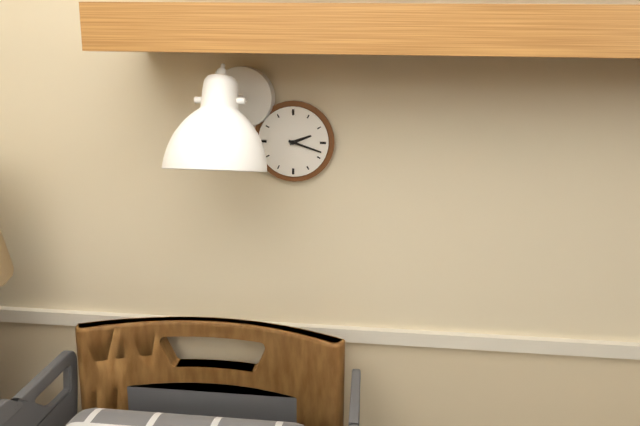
2:18
